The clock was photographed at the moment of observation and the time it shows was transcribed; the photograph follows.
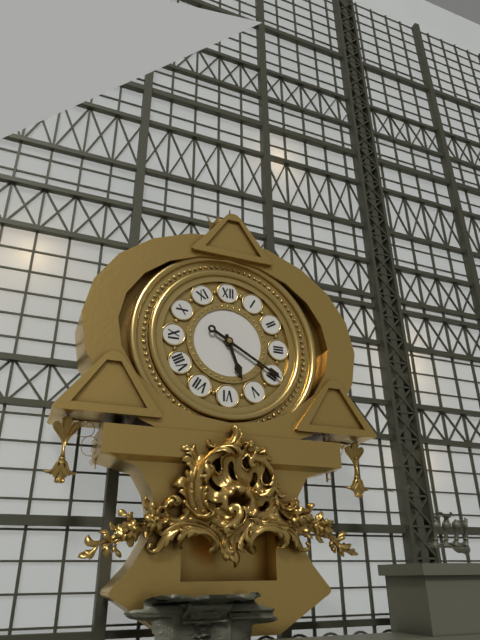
5:20
